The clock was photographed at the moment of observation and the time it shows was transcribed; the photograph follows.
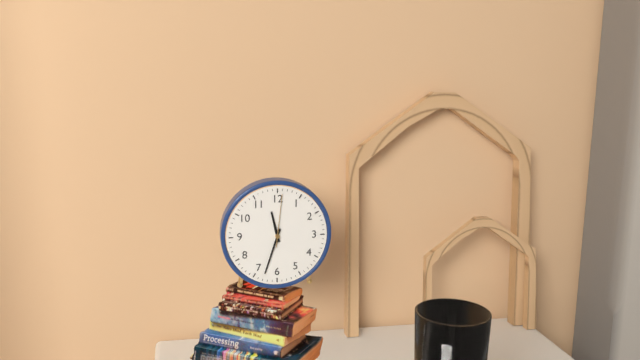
11:33:01
